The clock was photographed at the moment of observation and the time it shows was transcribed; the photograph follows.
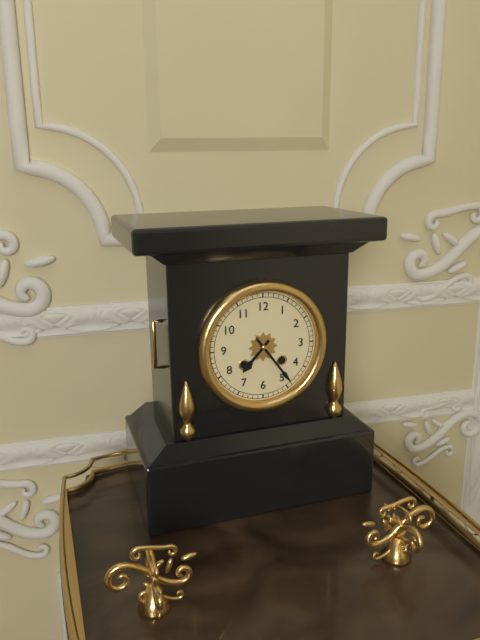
7:24
